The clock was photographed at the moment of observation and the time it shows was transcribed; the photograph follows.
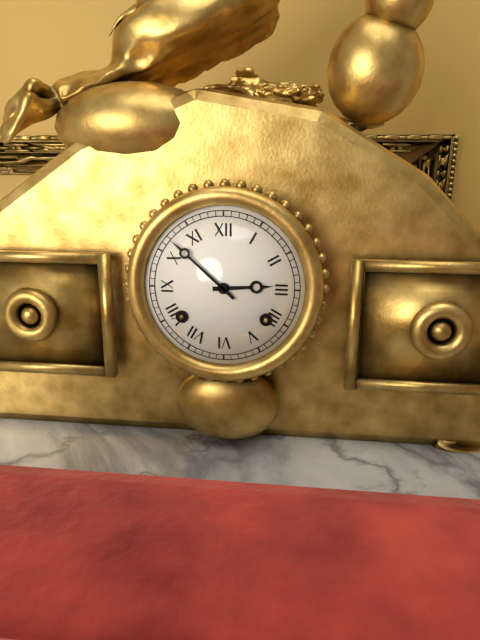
2:52
